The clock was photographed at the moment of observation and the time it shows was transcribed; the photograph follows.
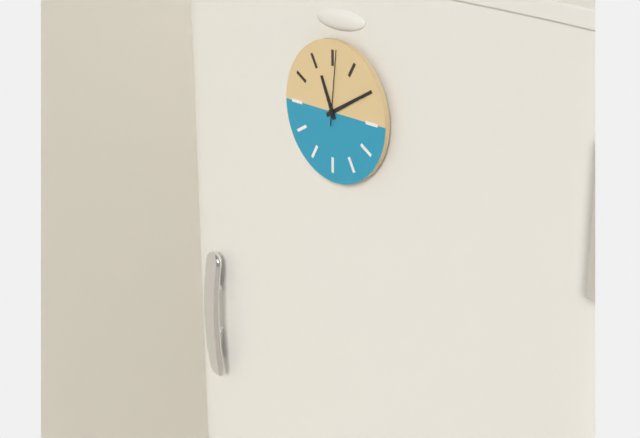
11:10:01
